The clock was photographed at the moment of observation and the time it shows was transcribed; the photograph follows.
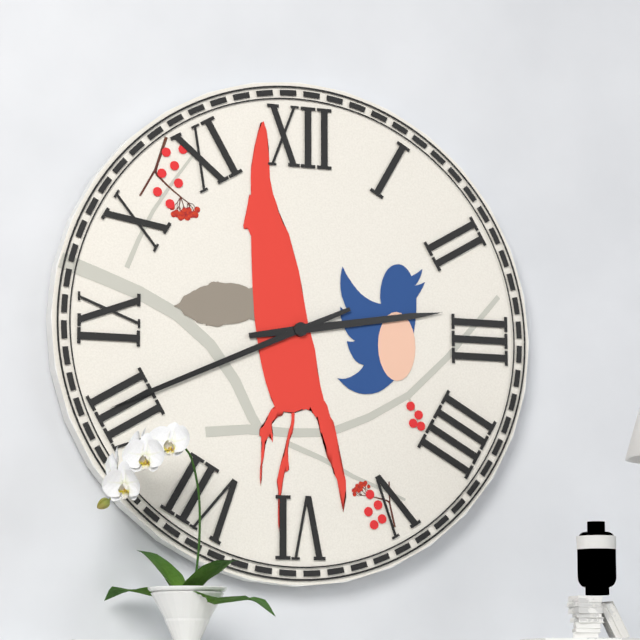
2:41
